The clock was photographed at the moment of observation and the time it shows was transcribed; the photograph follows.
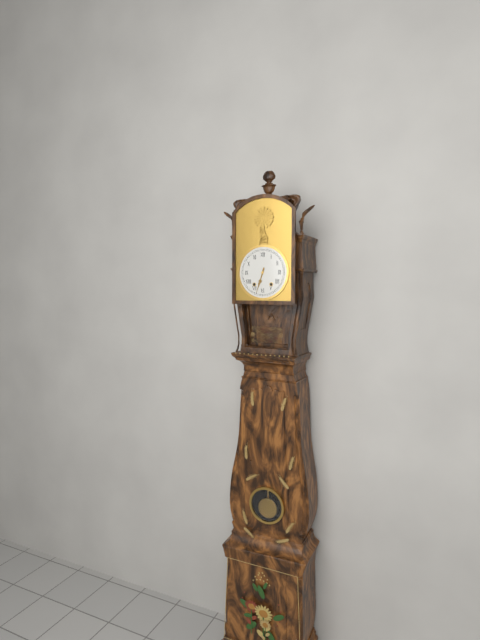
6:33
